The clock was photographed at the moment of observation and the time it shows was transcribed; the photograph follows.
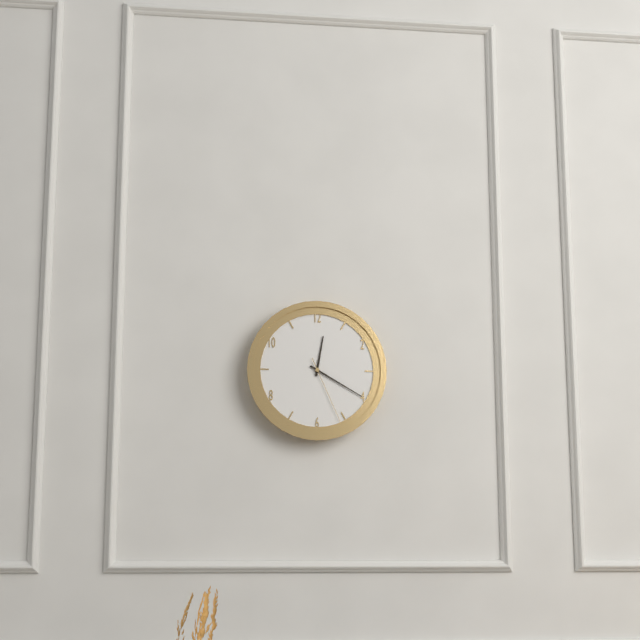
12:20:26
